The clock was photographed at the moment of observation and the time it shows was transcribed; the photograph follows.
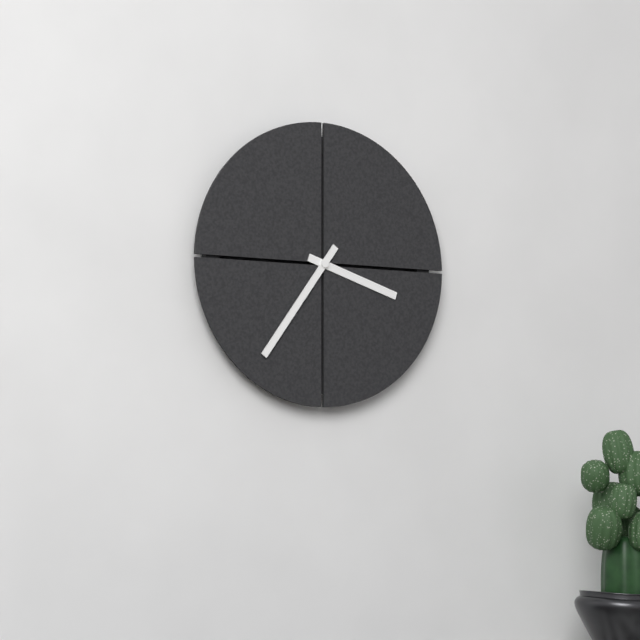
3:36
